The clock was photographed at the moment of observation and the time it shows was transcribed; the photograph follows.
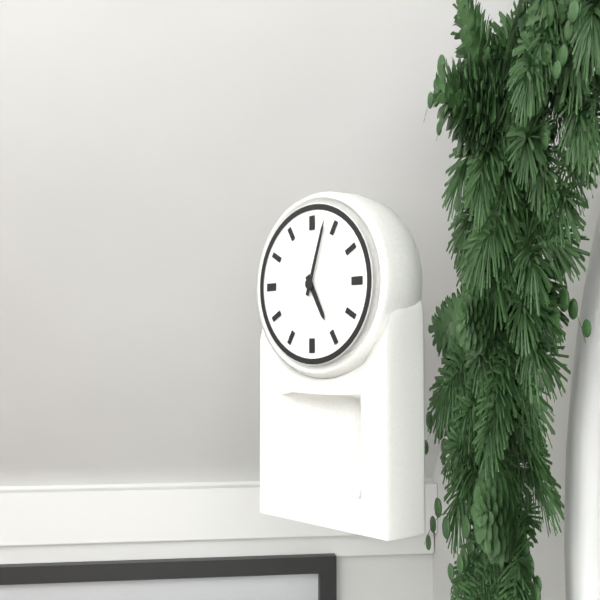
5:03
